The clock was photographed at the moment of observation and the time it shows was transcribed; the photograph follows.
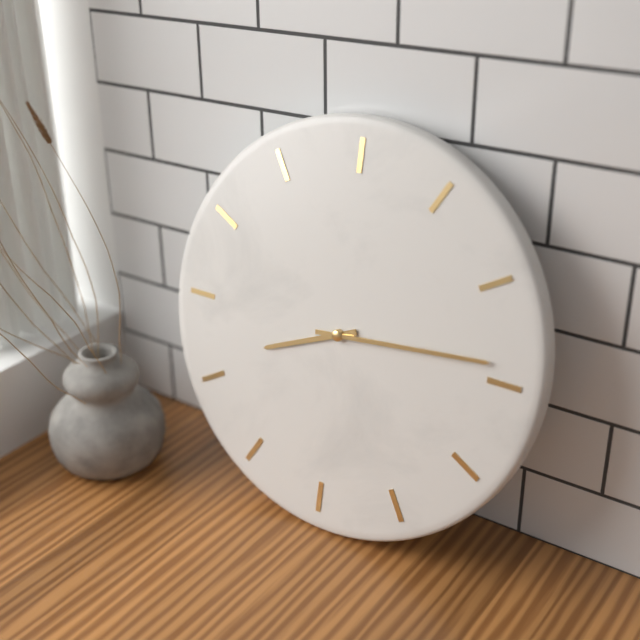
8:14
